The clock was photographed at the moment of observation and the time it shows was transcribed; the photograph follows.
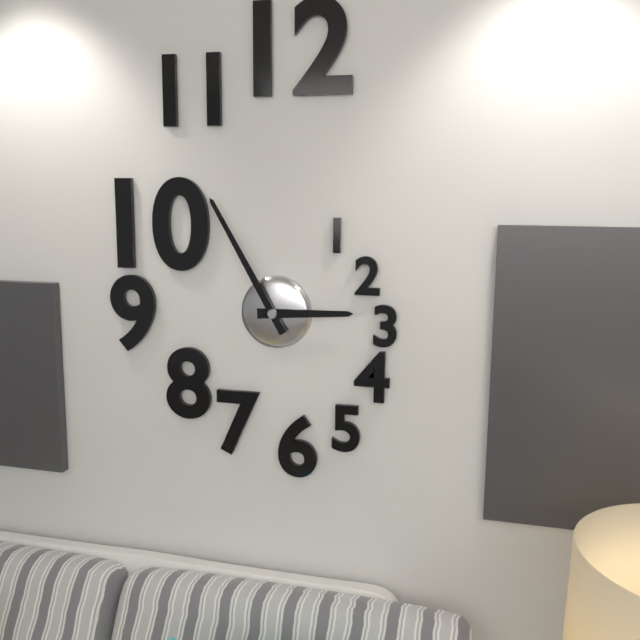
2:55
